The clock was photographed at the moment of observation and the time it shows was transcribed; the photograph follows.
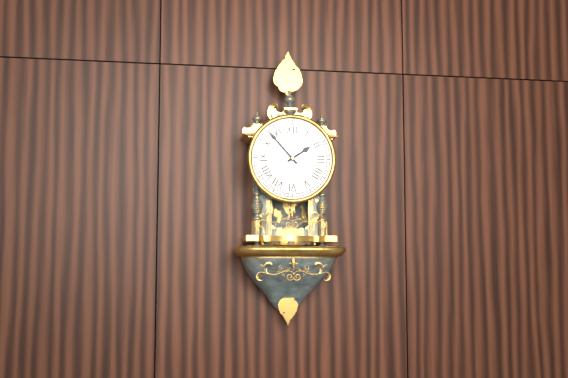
1:53
